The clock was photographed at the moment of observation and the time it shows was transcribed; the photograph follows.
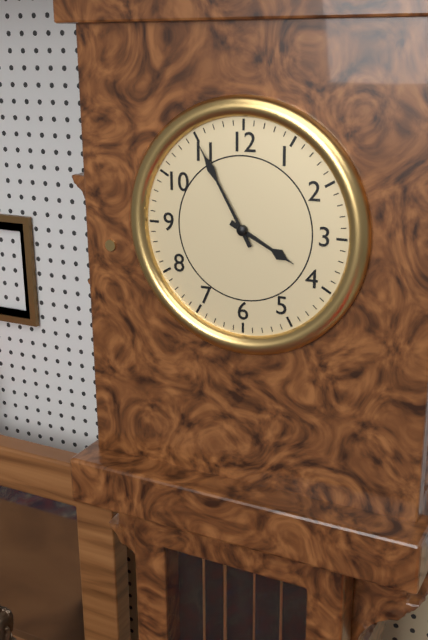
3:55
